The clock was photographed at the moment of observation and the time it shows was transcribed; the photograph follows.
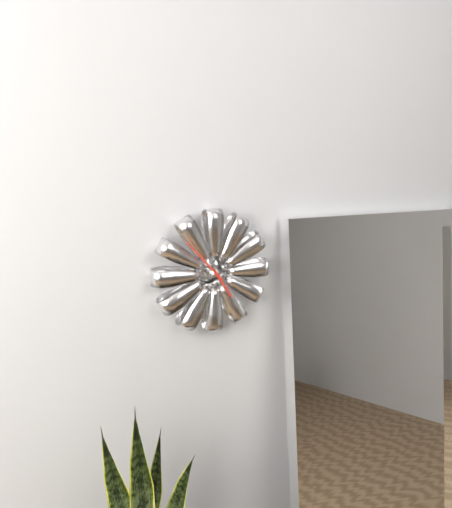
4:53
